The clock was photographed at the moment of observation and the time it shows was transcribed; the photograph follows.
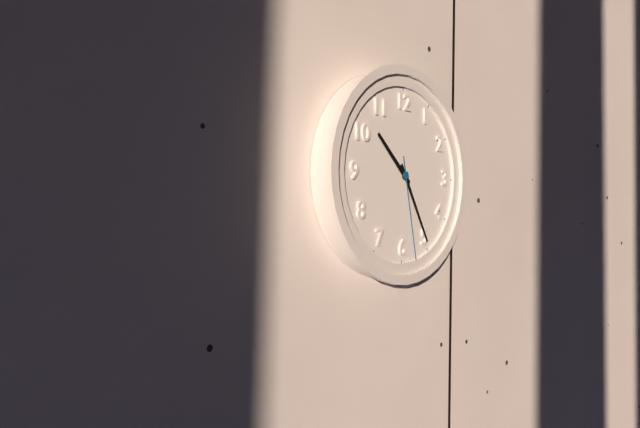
10:25:28
